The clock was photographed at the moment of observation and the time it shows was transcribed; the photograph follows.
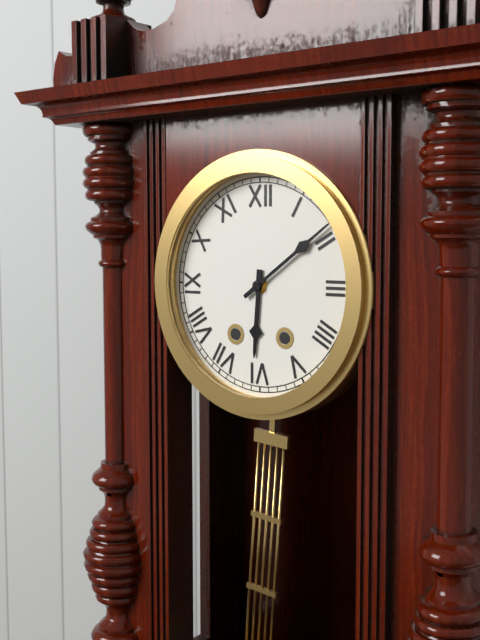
6:09
